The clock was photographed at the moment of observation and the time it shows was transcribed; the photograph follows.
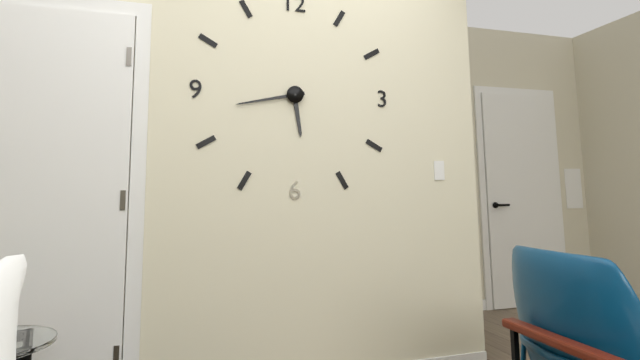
5:43
